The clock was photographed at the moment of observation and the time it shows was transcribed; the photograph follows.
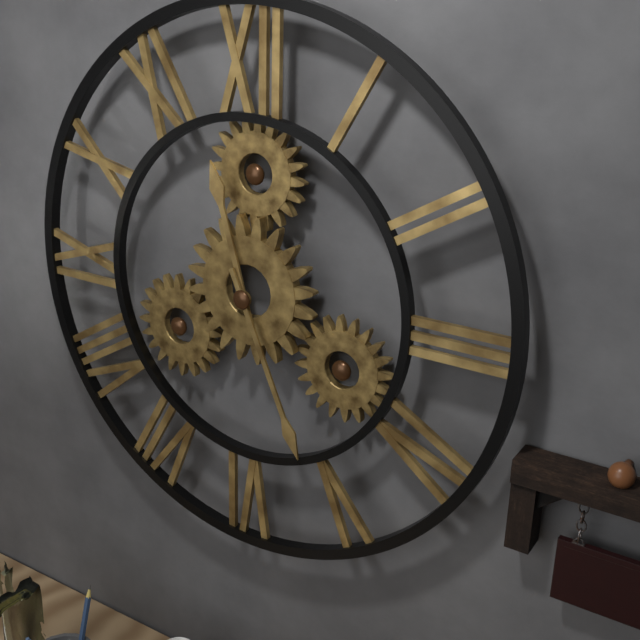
11:26
